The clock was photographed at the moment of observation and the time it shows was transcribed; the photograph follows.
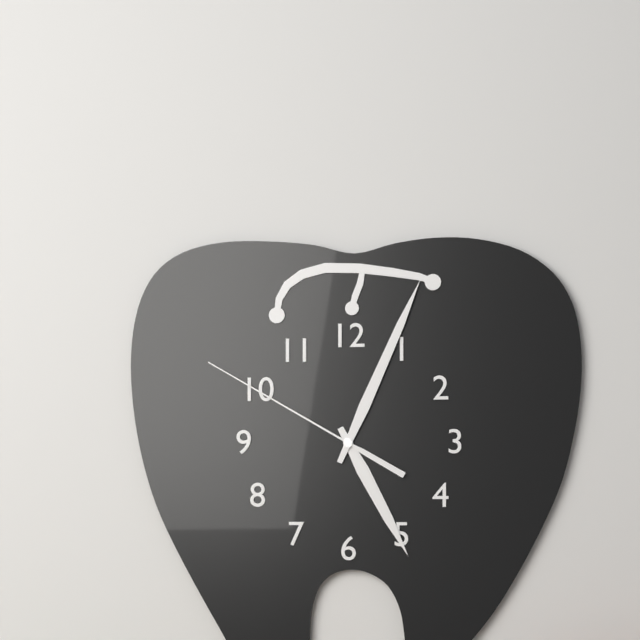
5:04:50
